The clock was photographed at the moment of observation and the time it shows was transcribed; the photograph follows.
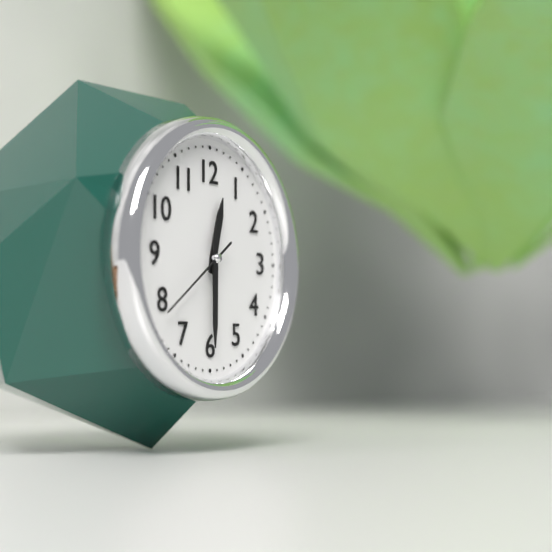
12:30:39
